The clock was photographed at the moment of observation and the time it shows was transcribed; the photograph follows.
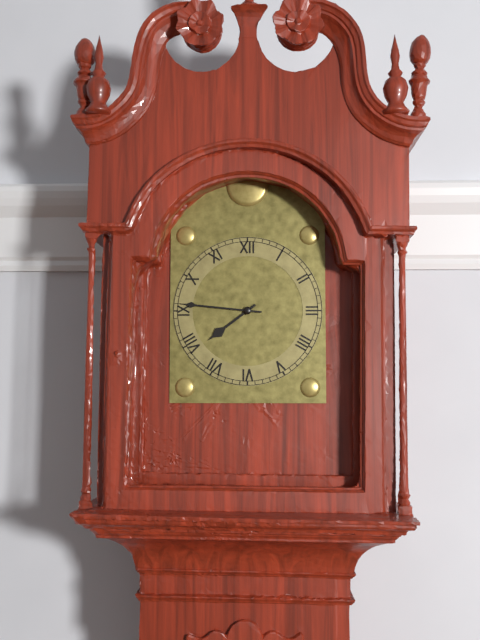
7:46
